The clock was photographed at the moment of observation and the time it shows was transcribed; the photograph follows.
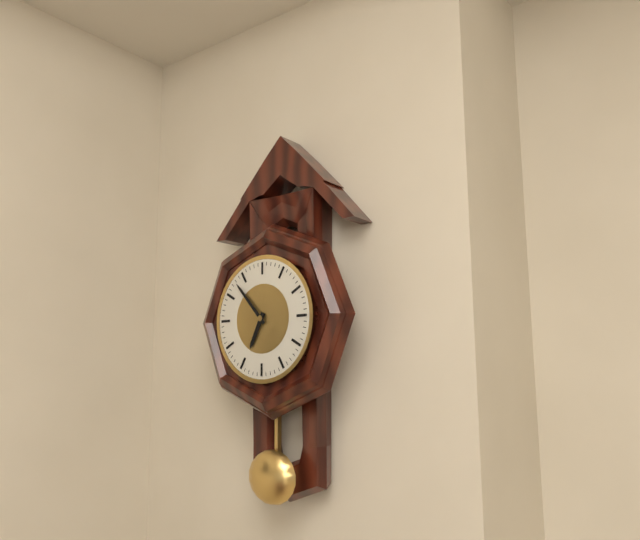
6:53
